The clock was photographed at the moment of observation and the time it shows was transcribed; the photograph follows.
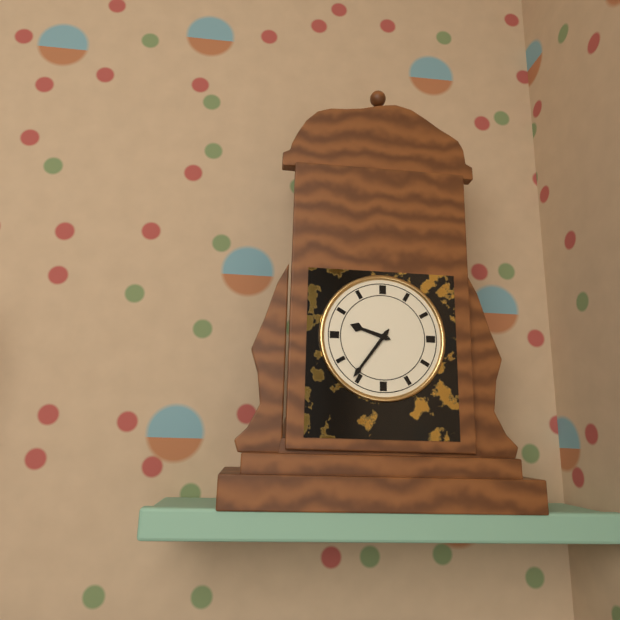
9:36
